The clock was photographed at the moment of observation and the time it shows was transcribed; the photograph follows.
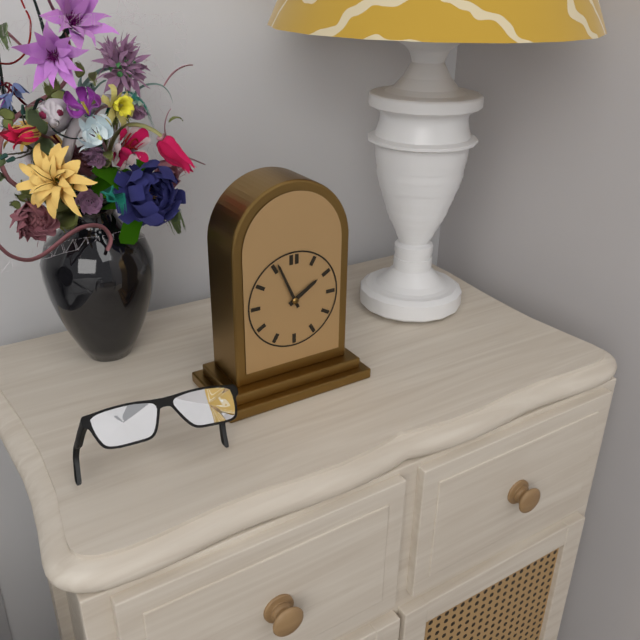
1:56
